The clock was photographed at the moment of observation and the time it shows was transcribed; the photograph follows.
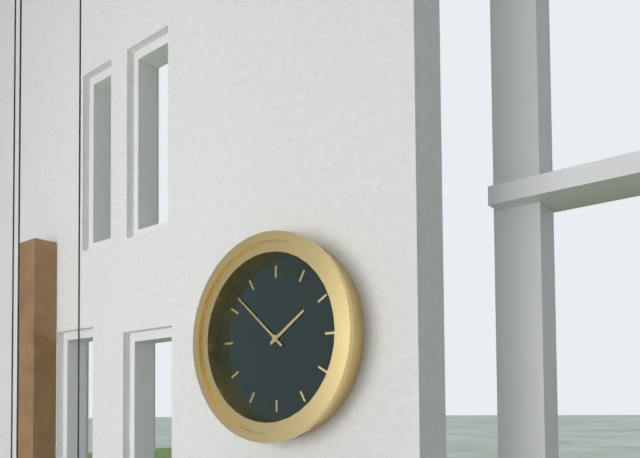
1:52
